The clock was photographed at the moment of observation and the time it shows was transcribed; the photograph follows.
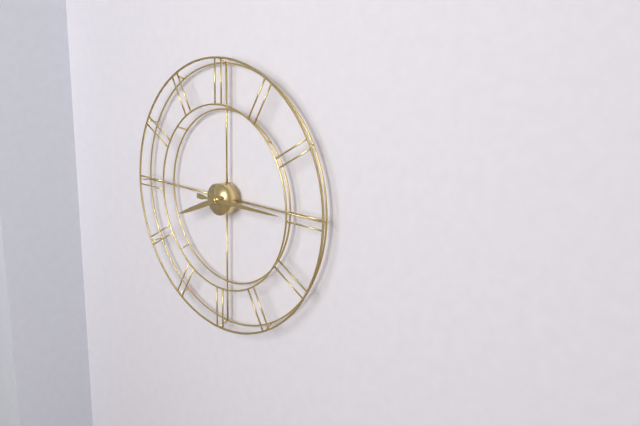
8:15
